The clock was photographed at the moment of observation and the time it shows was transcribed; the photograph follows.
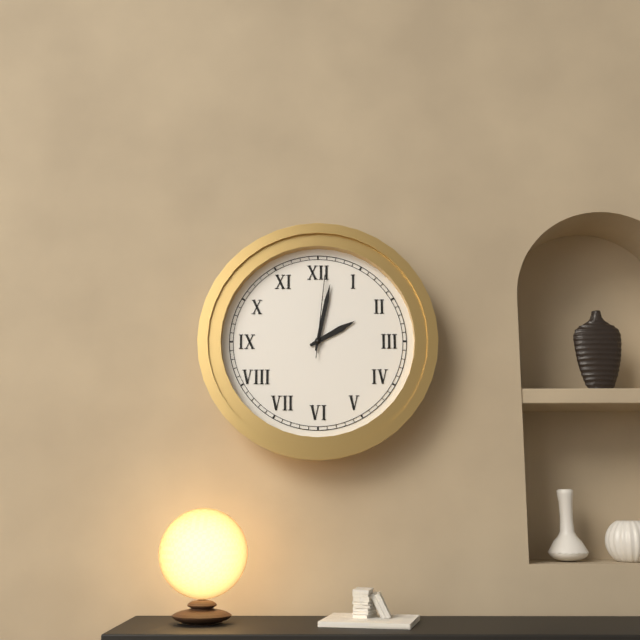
2:02:01
